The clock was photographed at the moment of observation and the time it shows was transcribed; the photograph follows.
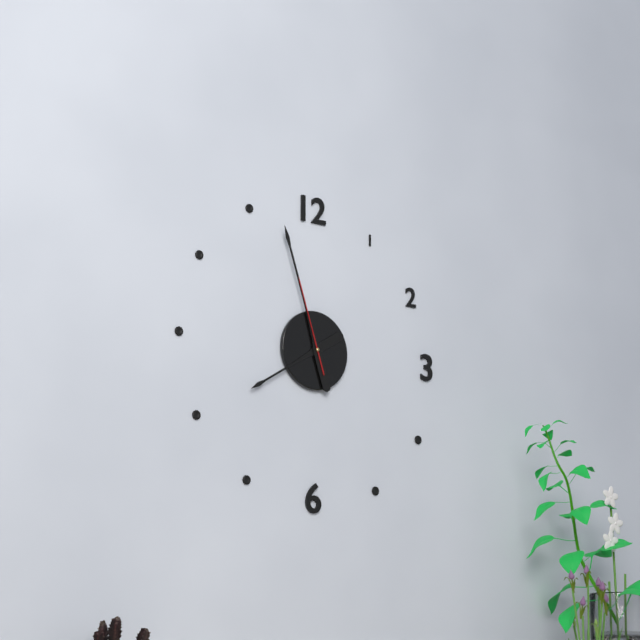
7:57:57
